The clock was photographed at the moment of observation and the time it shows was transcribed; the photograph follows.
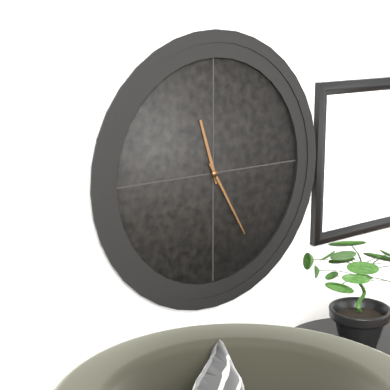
11:25
